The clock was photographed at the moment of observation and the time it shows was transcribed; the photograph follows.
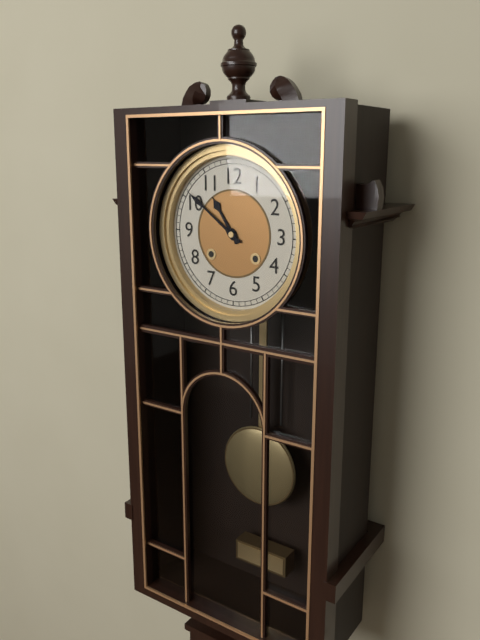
10:51
